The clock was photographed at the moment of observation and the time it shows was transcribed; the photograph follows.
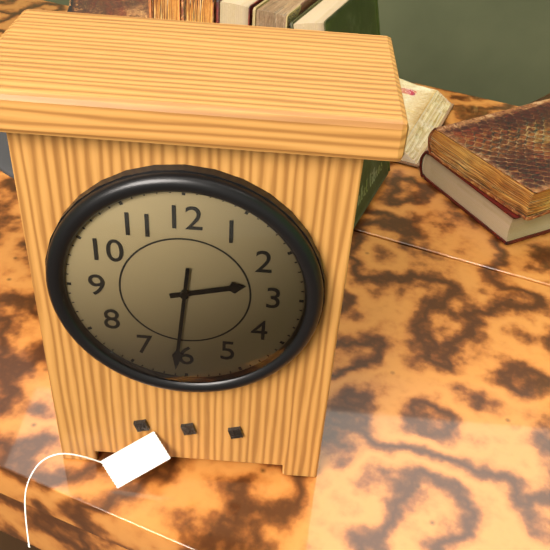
2:31
